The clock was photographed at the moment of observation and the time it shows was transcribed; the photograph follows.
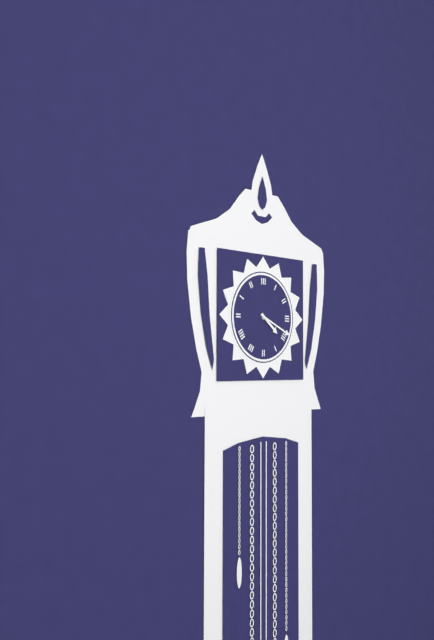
4:19
